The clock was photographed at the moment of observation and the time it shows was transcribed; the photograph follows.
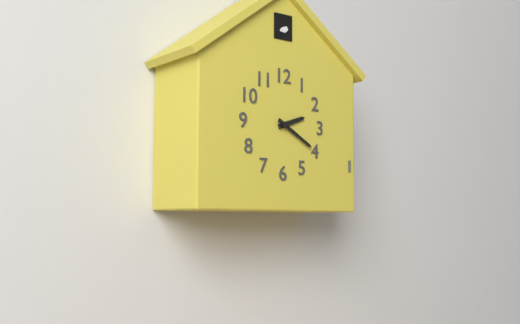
2:20
